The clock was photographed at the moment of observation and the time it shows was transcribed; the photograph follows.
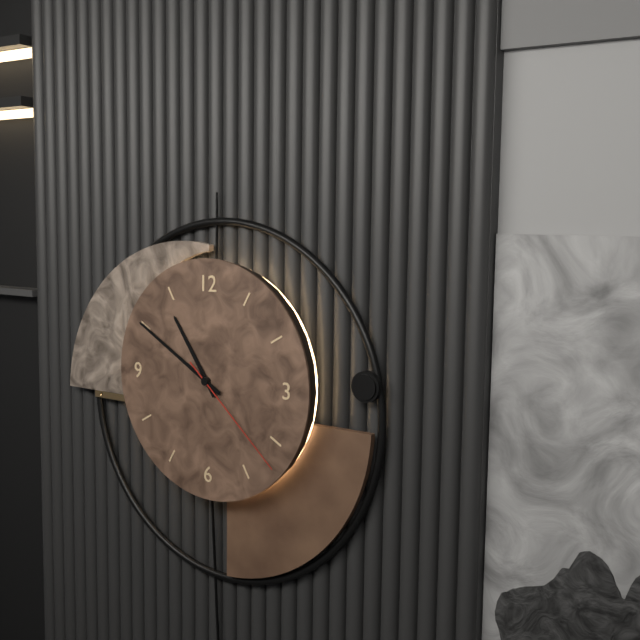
10:50:22
